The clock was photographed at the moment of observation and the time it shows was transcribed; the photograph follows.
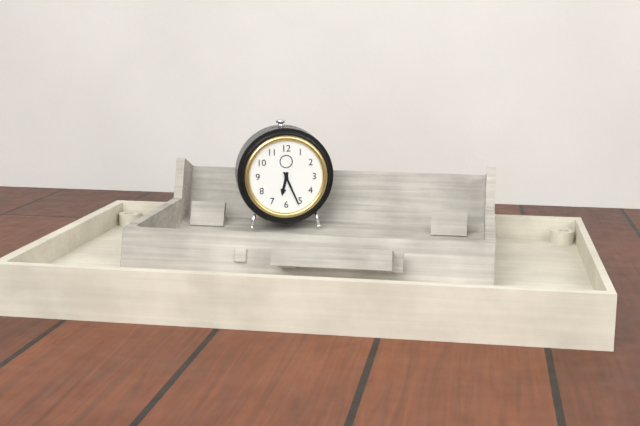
6:26
